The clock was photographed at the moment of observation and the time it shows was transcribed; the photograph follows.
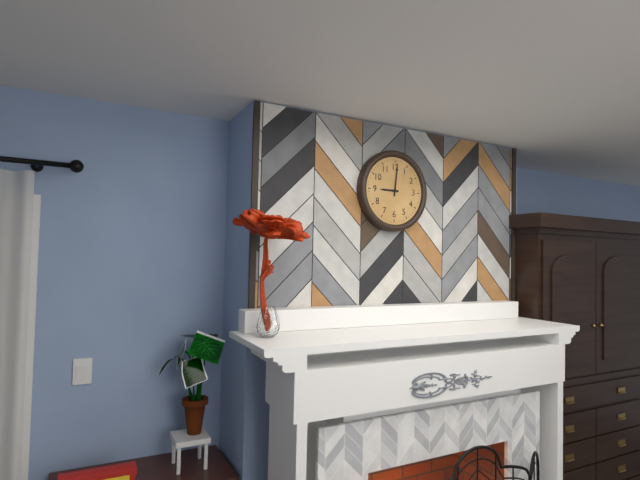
9:01
